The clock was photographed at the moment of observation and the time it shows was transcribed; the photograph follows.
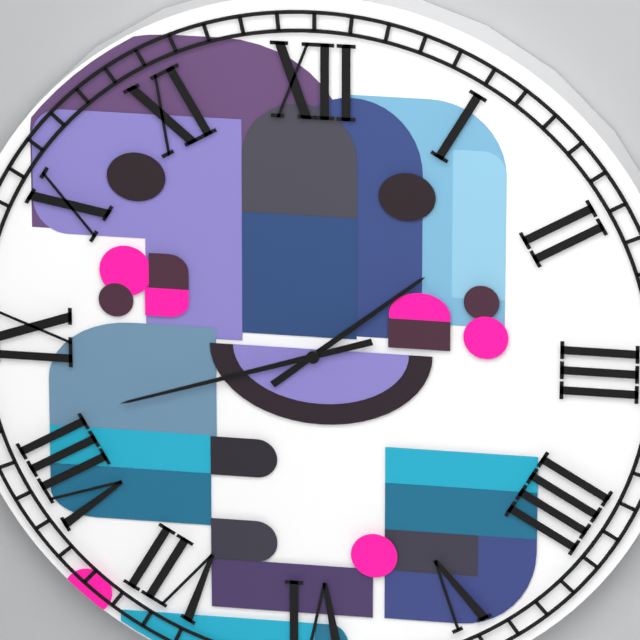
1:42
